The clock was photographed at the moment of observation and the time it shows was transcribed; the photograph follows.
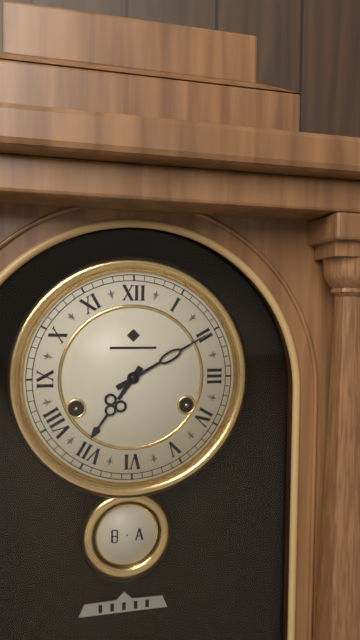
7:10
